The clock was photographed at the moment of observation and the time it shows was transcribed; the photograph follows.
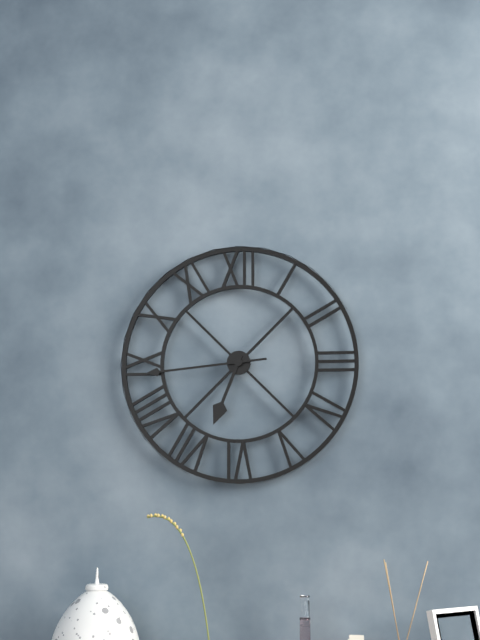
6:44
